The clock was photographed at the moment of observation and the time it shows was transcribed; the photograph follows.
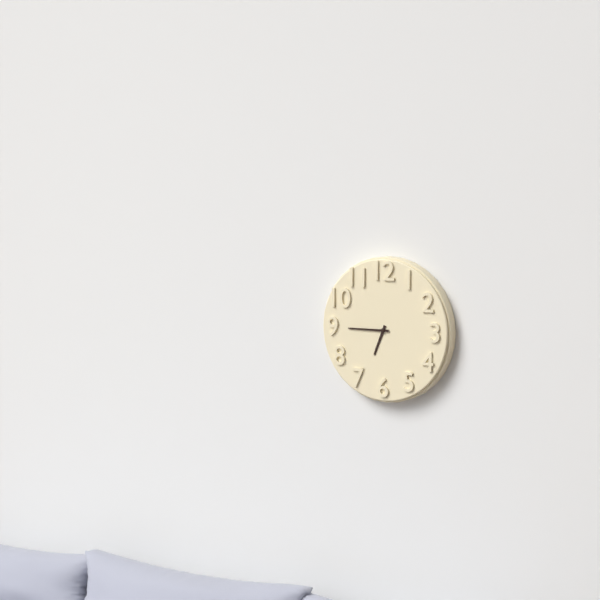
6:45
